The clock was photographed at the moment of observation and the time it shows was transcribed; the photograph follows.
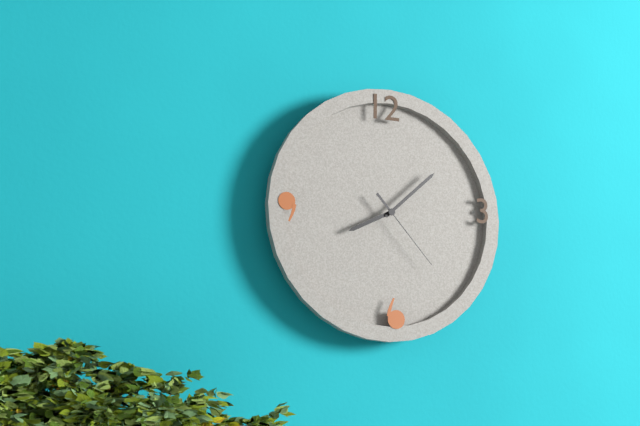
8:08:23
